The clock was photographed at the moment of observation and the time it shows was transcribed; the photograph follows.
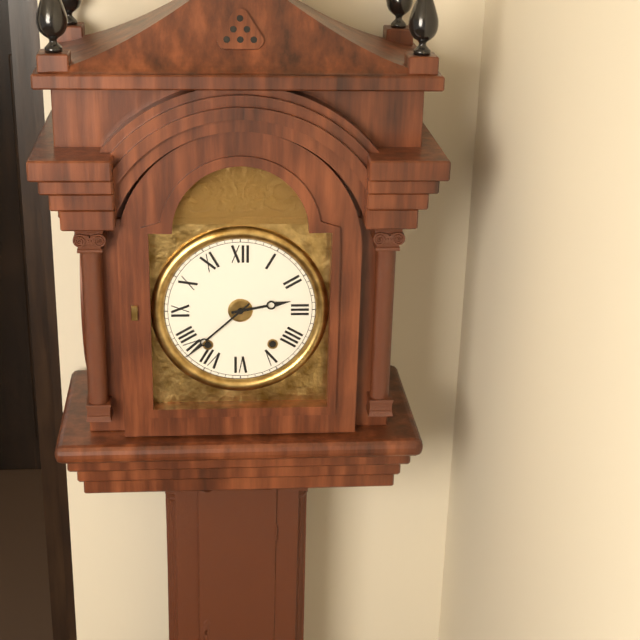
2:38
